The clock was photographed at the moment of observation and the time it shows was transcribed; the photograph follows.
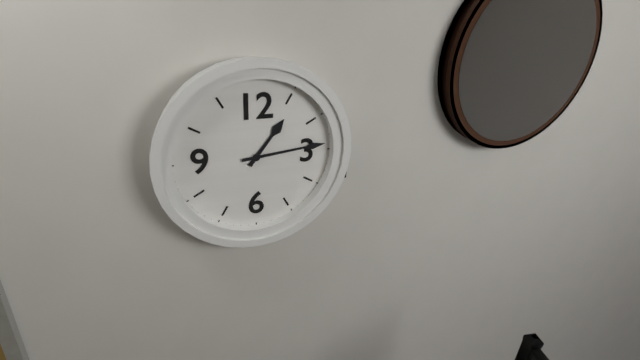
1:14
